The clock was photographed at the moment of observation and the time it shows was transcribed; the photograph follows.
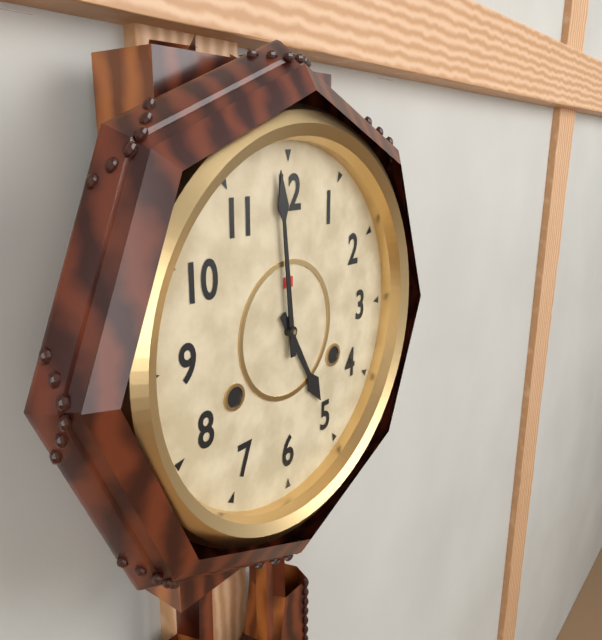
4:59
